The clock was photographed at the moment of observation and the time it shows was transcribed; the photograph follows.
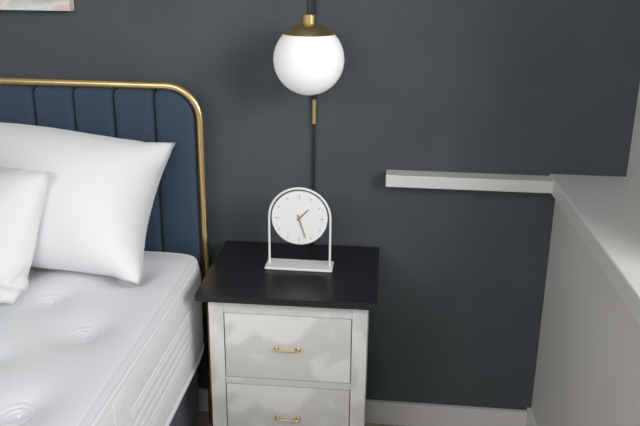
1:27
